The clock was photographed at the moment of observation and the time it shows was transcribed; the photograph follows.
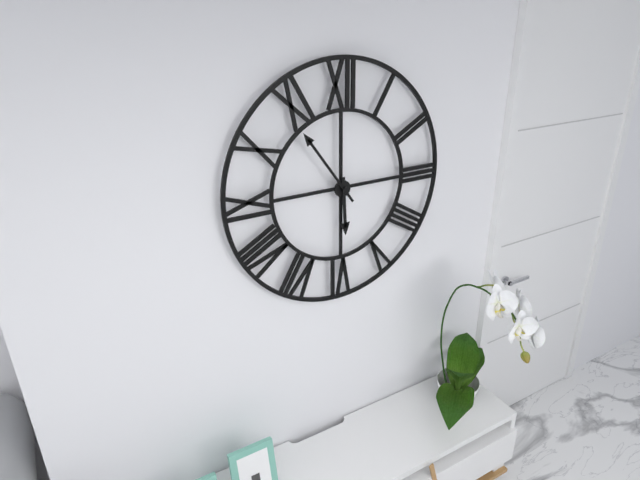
5:54
